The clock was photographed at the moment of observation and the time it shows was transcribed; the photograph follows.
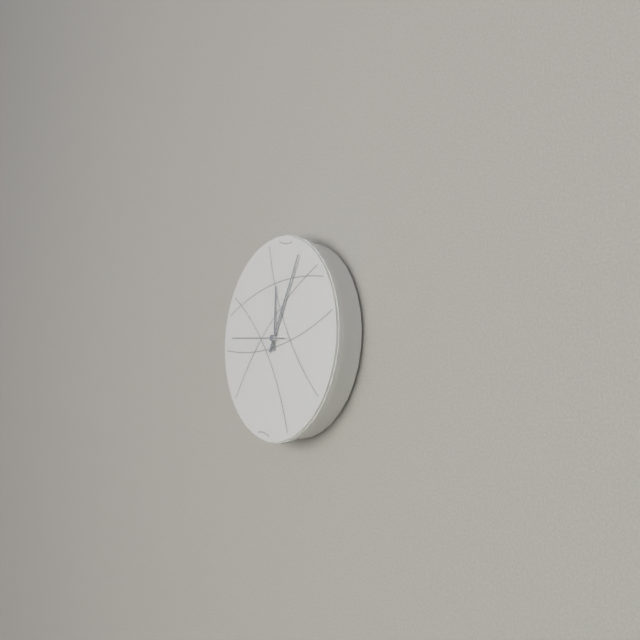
12:05:46
